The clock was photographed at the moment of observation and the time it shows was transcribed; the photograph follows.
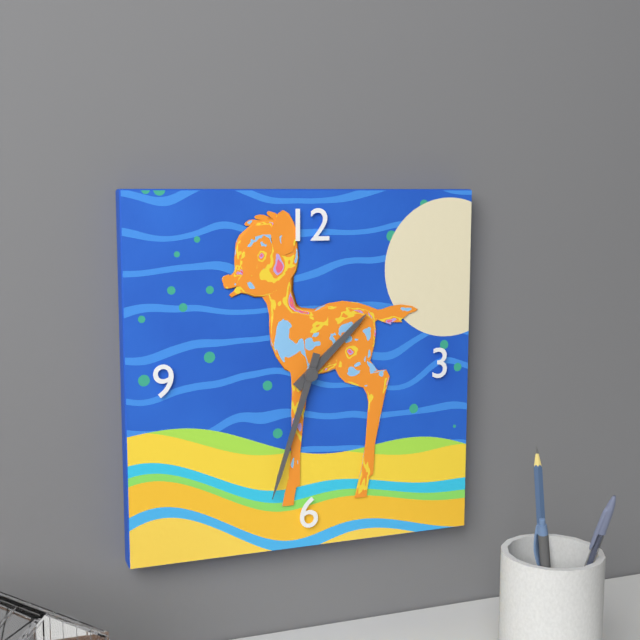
1:33
